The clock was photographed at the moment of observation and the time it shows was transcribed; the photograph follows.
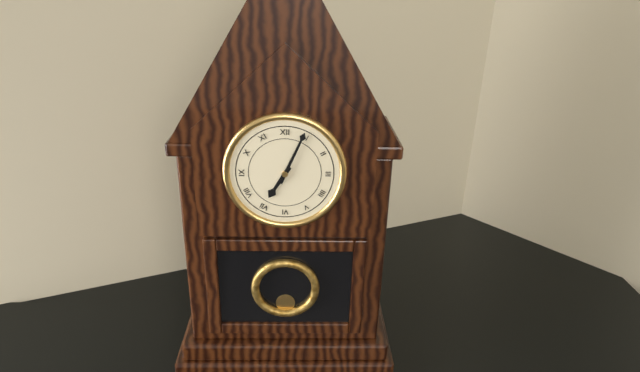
7:04
